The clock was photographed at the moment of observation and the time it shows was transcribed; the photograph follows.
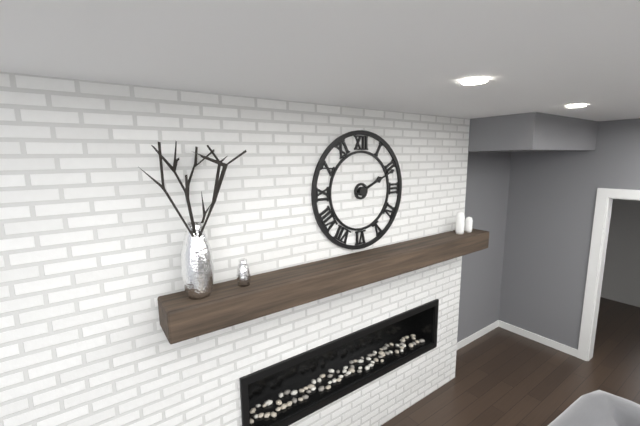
2:11
